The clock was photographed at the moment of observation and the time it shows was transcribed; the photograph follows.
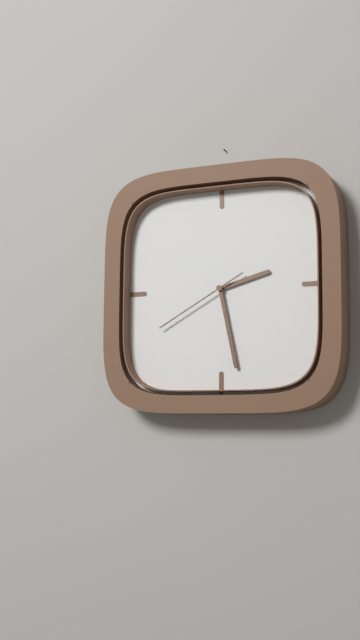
2:28:40
